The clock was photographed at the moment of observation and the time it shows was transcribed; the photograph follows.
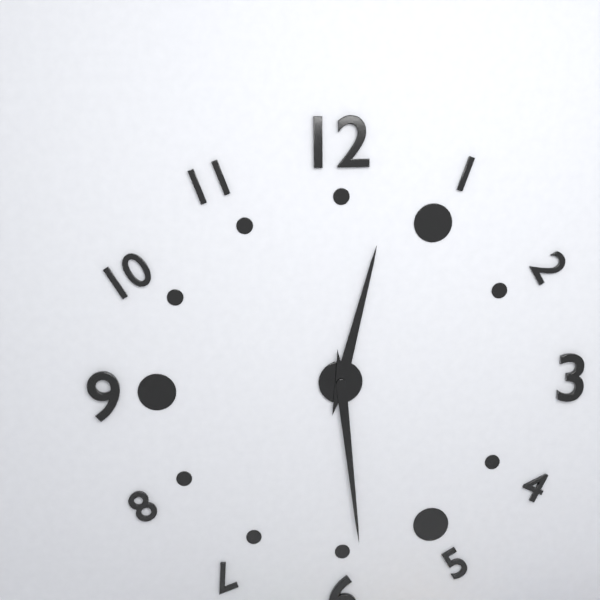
12:29
